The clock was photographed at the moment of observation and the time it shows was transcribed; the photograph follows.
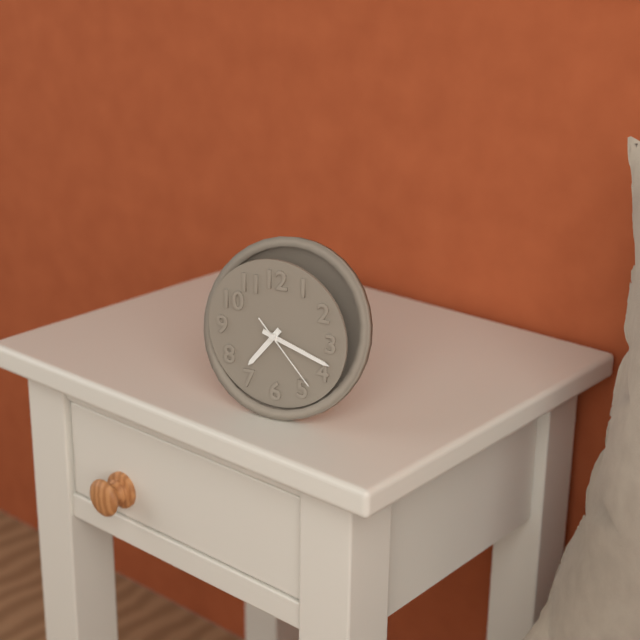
7:18:23
